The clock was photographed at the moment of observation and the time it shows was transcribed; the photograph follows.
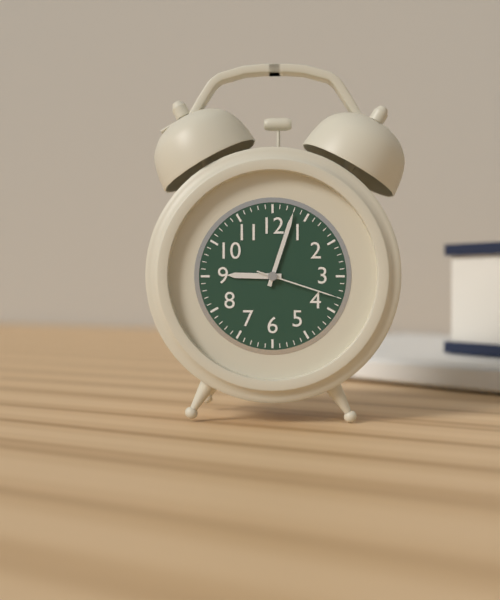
9:03:18
